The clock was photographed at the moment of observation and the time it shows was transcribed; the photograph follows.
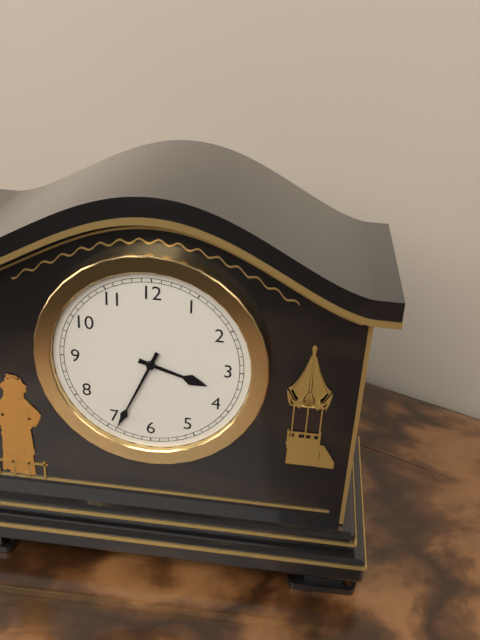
3:34
